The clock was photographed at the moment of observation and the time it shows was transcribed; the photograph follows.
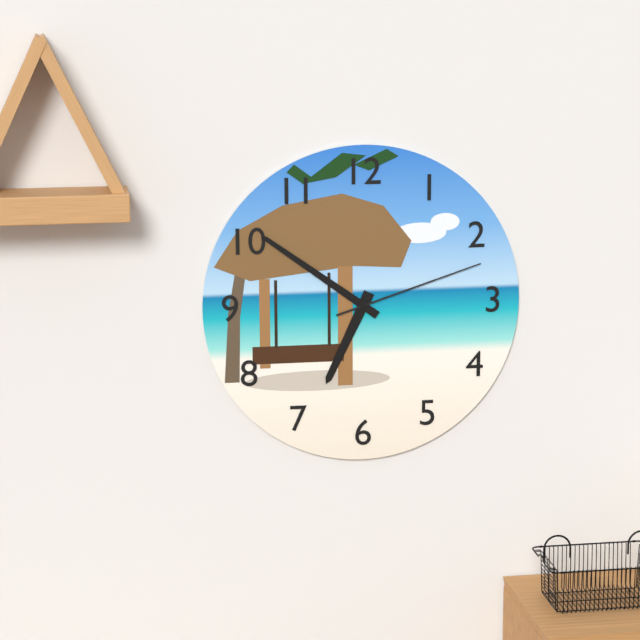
6:51:12
